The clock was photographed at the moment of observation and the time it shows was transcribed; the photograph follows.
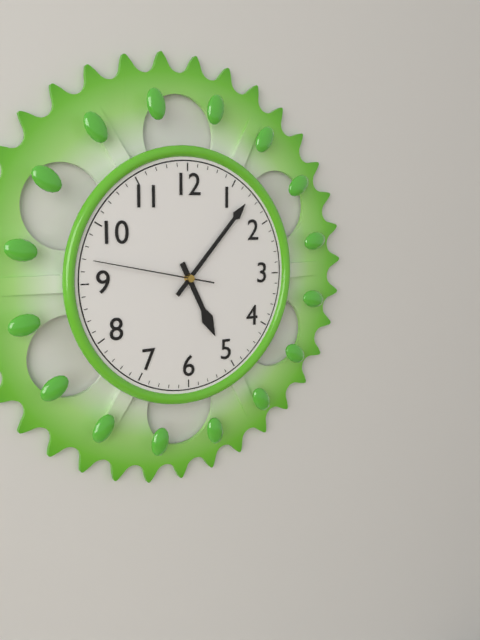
5:07:47
